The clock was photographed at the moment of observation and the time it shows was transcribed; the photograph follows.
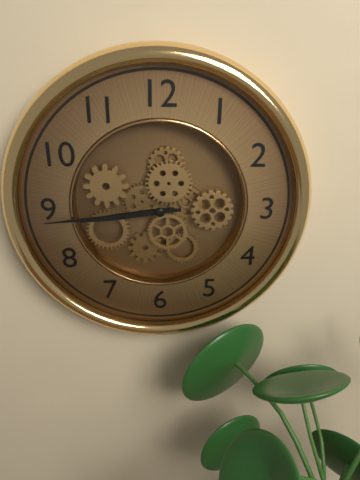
8:44
